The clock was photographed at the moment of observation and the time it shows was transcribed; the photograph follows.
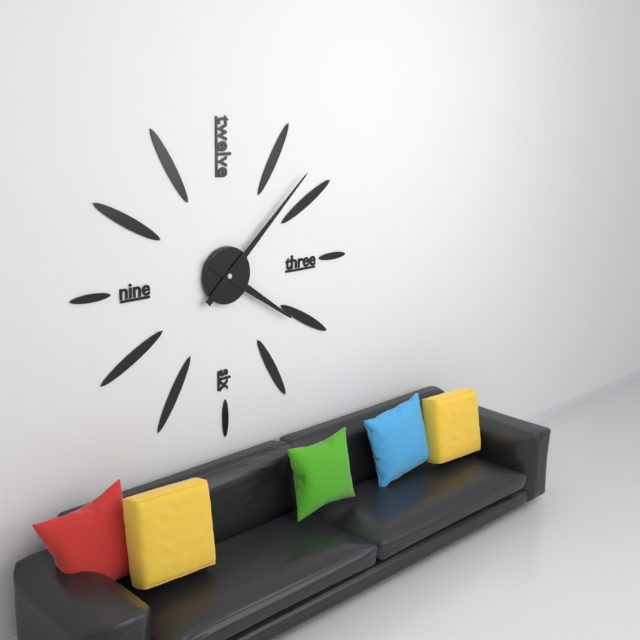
4:08
